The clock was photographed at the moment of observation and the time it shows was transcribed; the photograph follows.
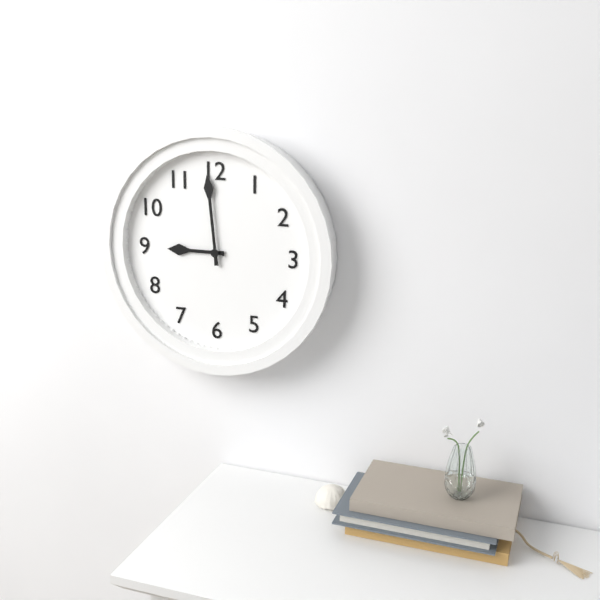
8:59
